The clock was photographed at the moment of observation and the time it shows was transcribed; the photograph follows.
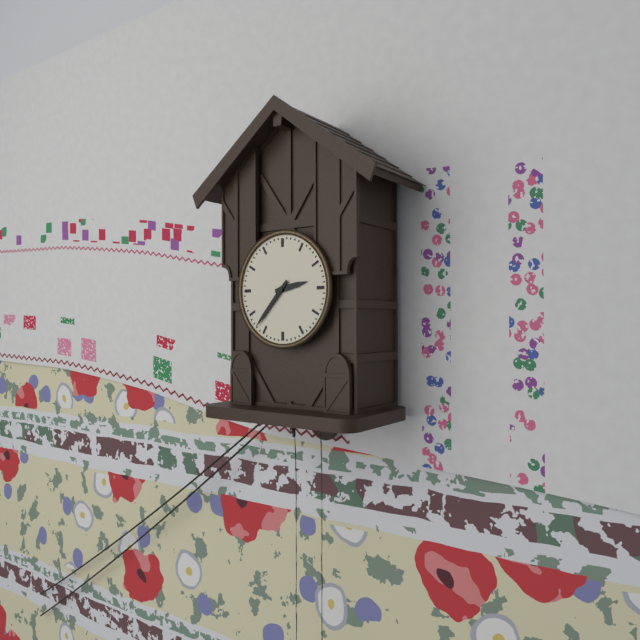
2:37
